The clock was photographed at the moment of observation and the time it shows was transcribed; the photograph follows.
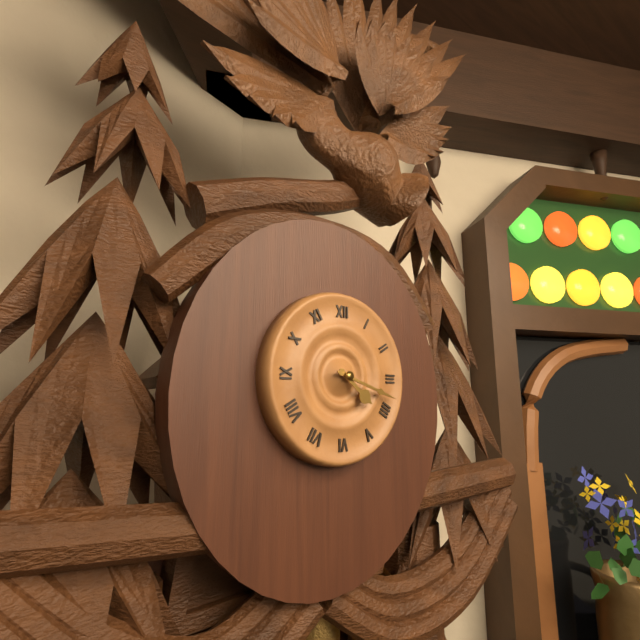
4:18
